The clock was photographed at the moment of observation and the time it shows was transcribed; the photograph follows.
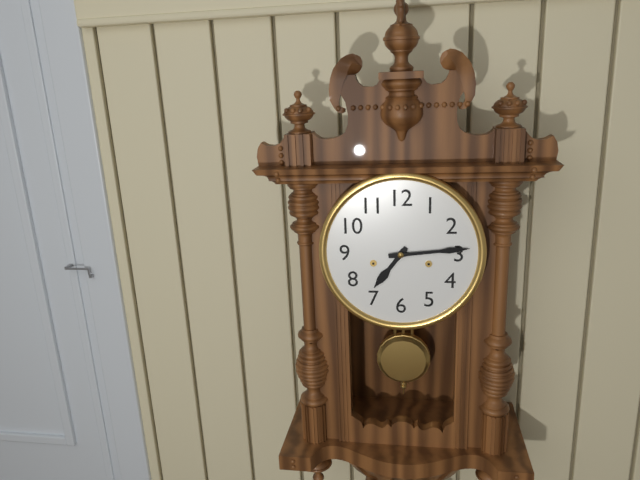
7:14
